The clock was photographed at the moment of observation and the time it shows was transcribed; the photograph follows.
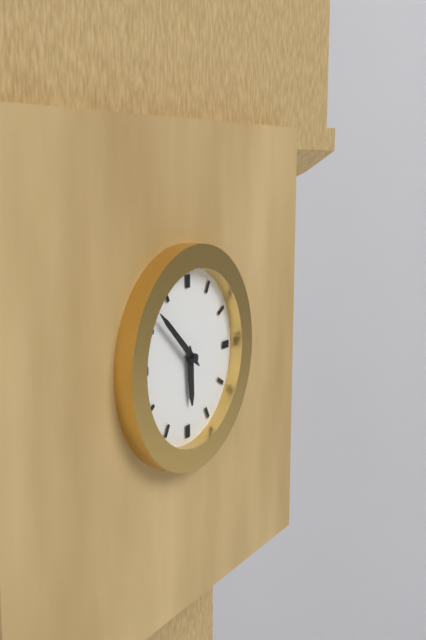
5:52
